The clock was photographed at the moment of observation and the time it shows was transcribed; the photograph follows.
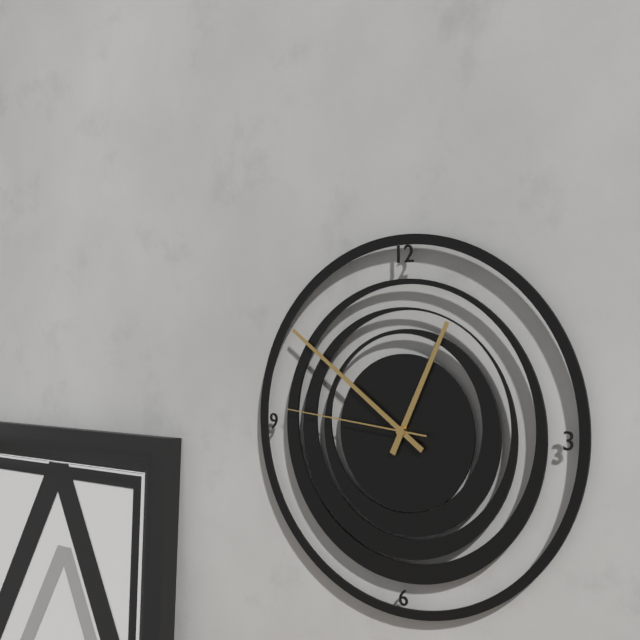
12:51:46
